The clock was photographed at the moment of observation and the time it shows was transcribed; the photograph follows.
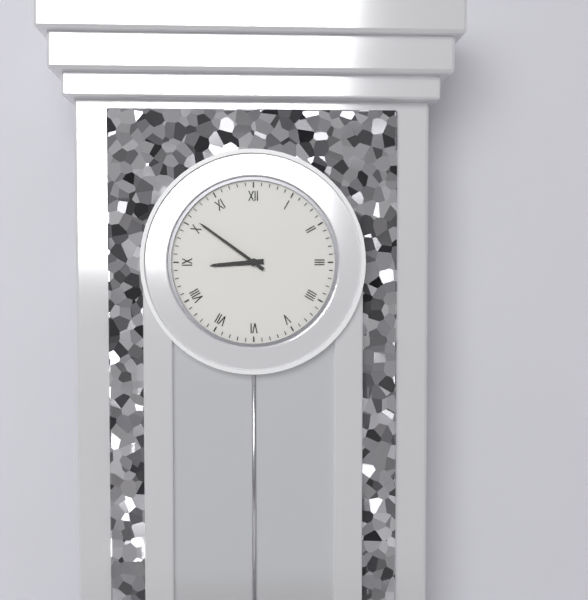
8:51
